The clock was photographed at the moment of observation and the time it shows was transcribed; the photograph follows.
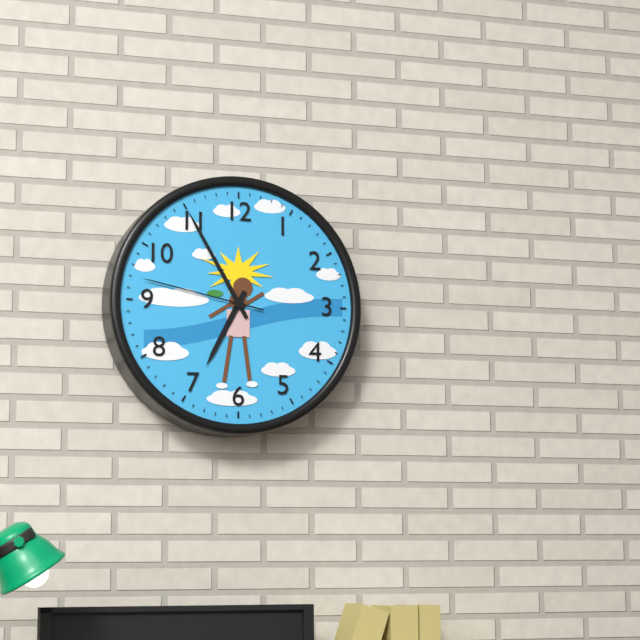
6:55:47
